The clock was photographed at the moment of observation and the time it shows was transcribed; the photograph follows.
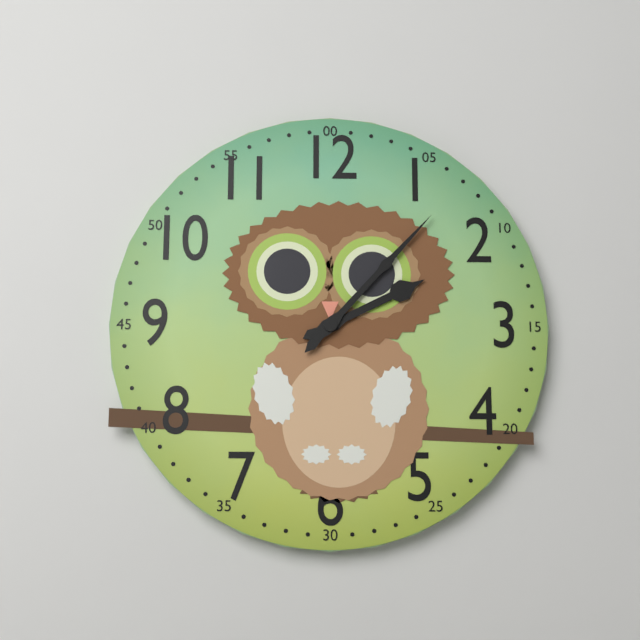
2:07
